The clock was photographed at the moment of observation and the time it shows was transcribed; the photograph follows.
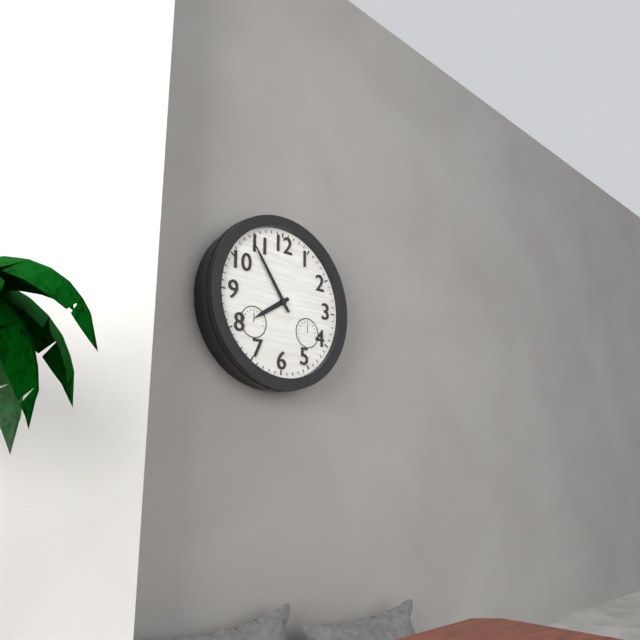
7:54
